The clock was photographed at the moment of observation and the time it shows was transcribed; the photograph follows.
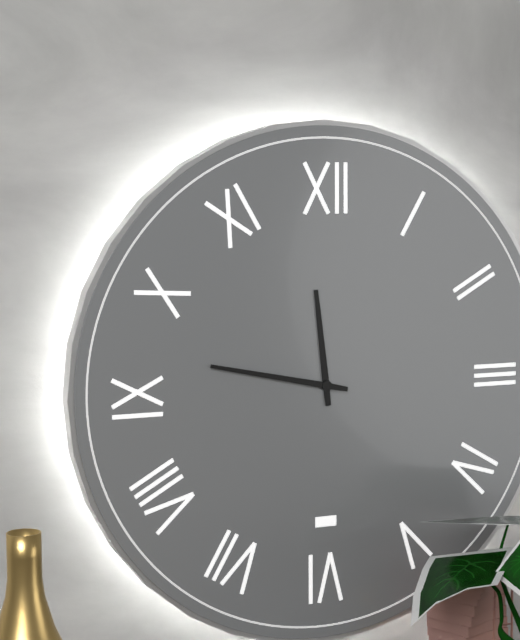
11:47
